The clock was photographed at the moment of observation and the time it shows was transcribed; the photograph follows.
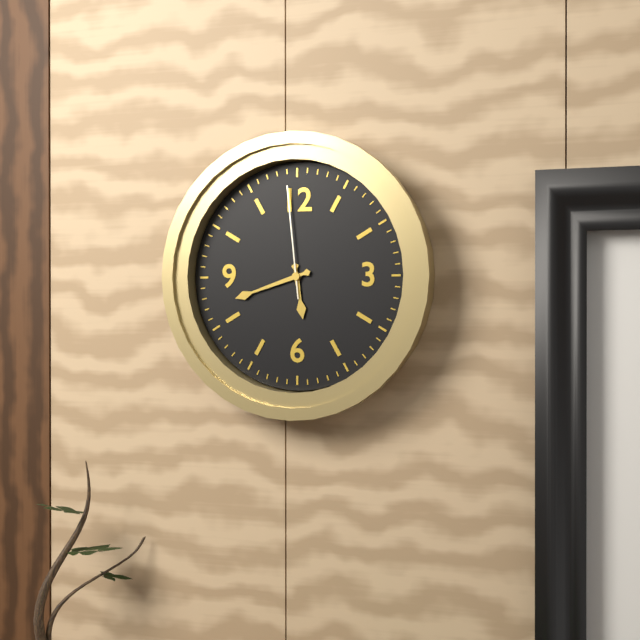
5:42:59
